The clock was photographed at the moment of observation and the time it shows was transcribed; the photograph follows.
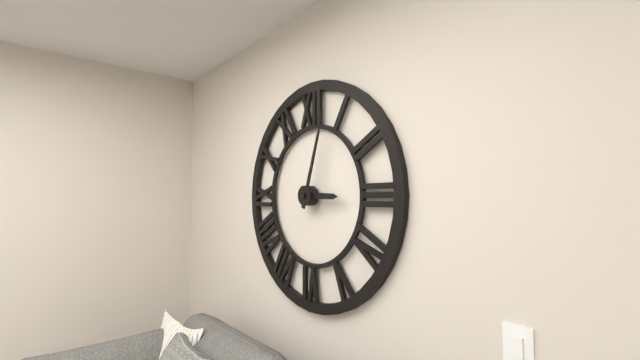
3:03
